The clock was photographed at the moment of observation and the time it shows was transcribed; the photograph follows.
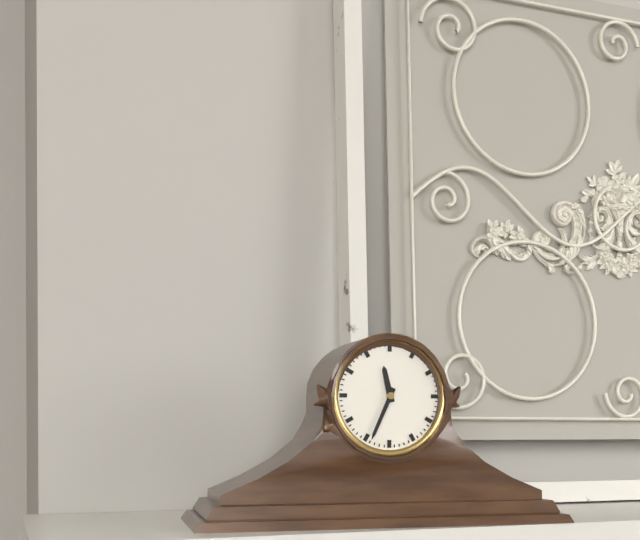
11:34
